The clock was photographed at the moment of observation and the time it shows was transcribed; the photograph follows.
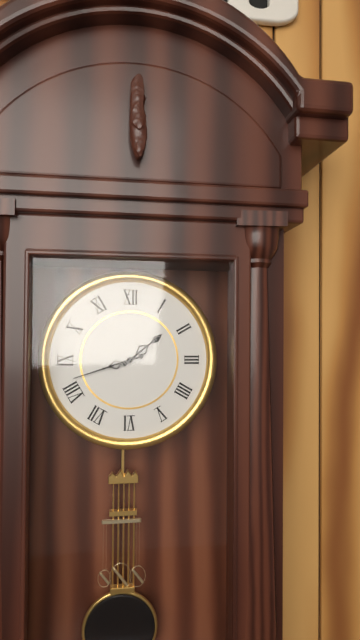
1:42
